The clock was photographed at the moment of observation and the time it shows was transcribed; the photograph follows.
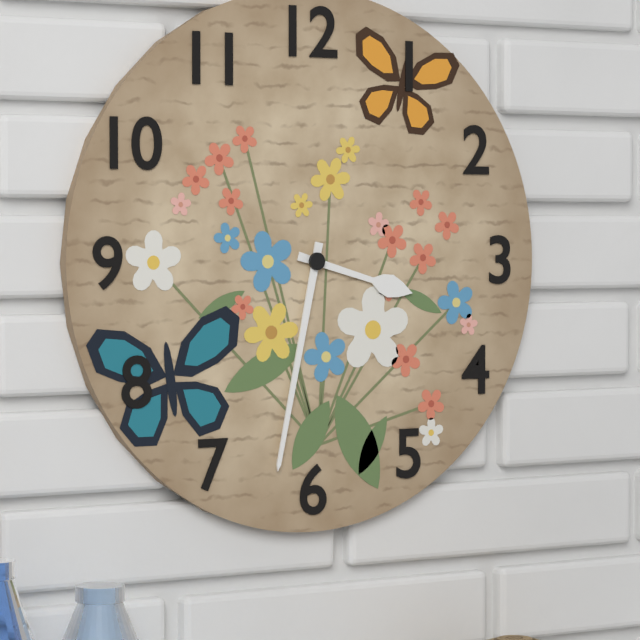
3:32
